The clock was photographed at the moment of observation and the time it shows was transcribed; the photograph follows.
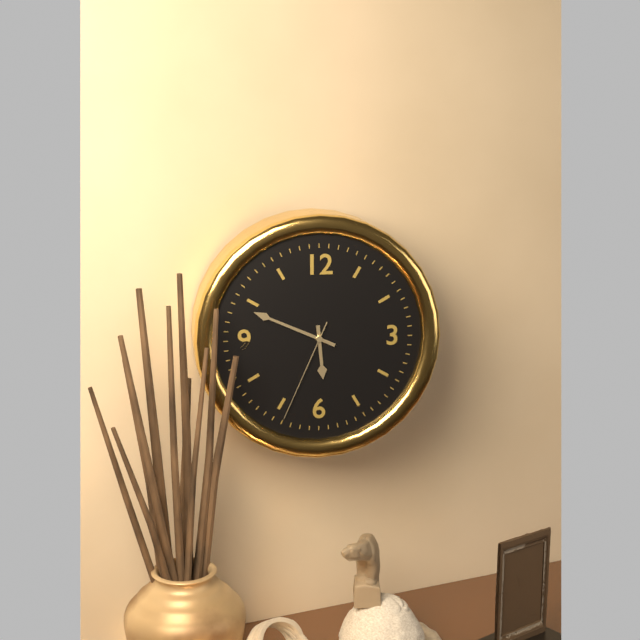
5:49:34
